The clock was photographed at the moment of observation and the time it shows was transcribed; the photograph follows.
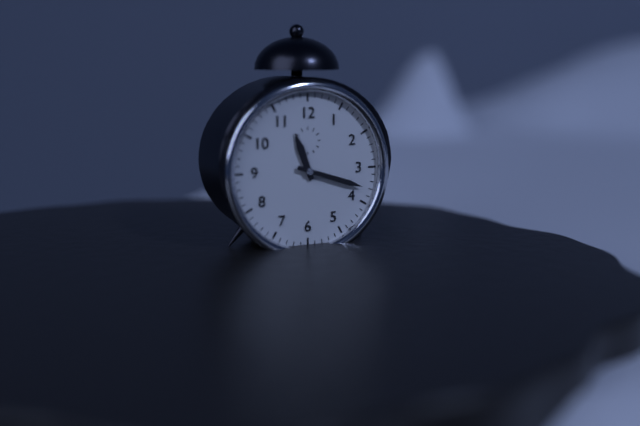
11:18
